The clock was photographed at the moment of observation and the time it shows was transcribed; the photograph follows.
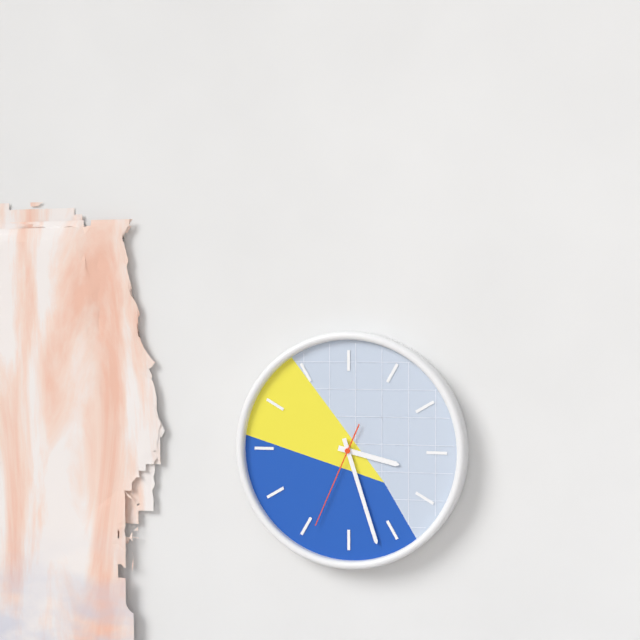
3:27:34
